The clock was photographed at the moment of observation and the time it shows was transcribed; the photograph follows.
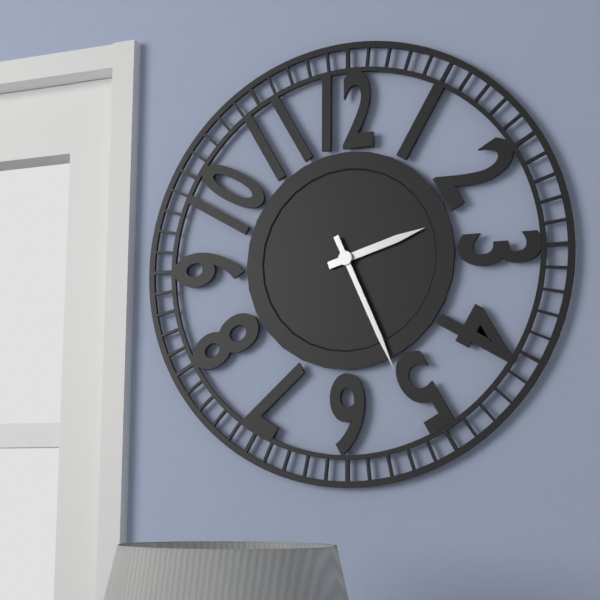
2:26
